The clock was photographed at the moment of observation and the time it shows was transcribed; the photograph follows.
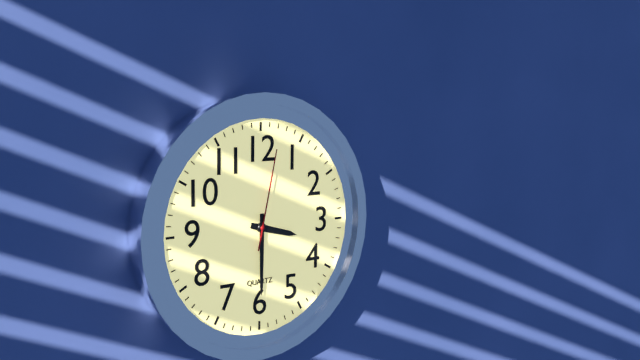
3:30:02
